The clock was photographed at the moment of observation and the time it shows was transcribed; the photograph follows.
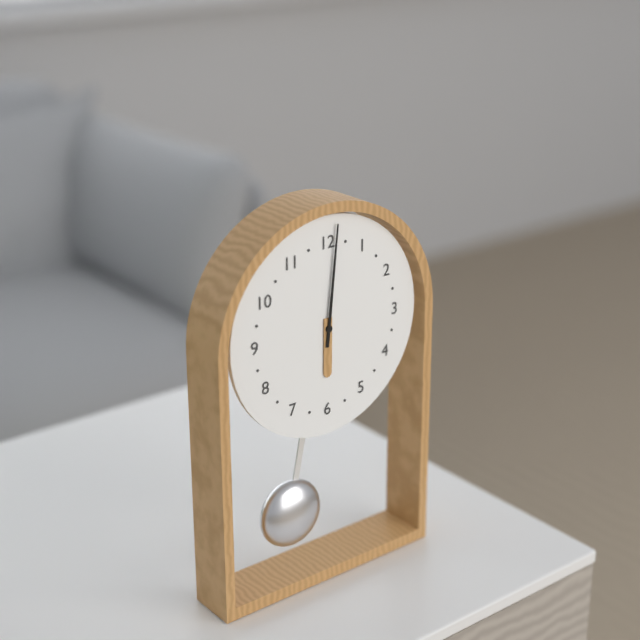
6:01
